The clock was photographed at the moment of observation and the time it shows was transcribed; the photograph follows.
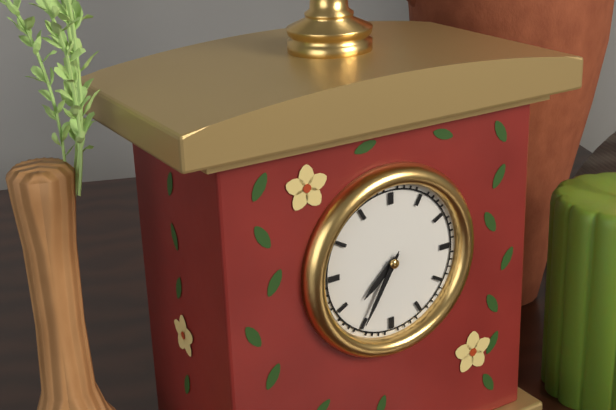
7:35
